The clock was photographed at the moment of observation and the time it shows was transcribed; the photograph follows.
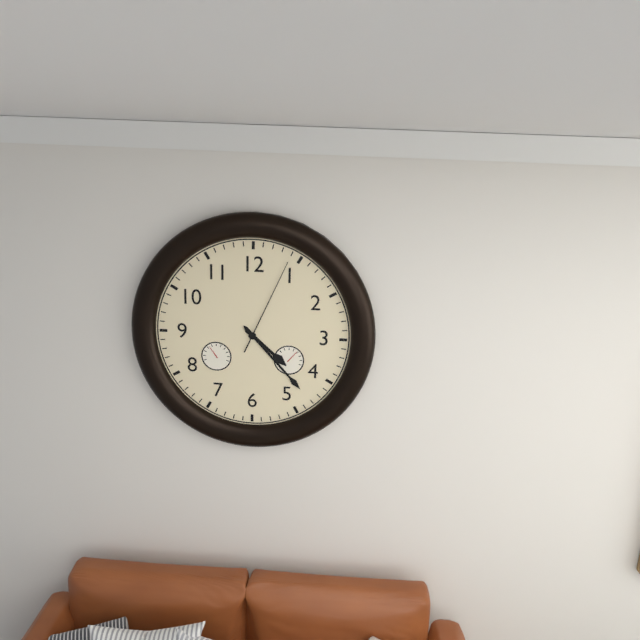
4:23:04
